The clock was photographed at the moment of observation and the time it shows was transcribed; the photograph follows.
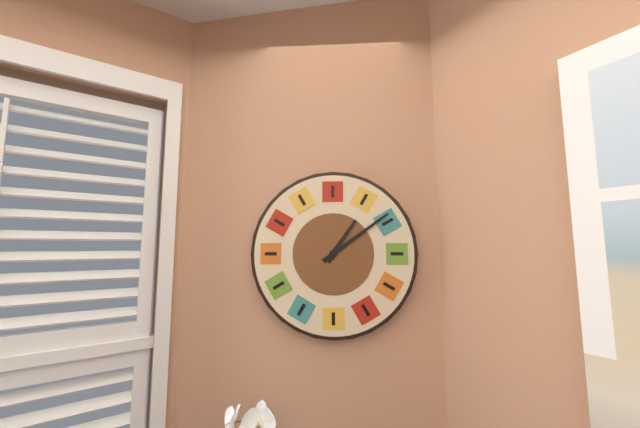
1:09
